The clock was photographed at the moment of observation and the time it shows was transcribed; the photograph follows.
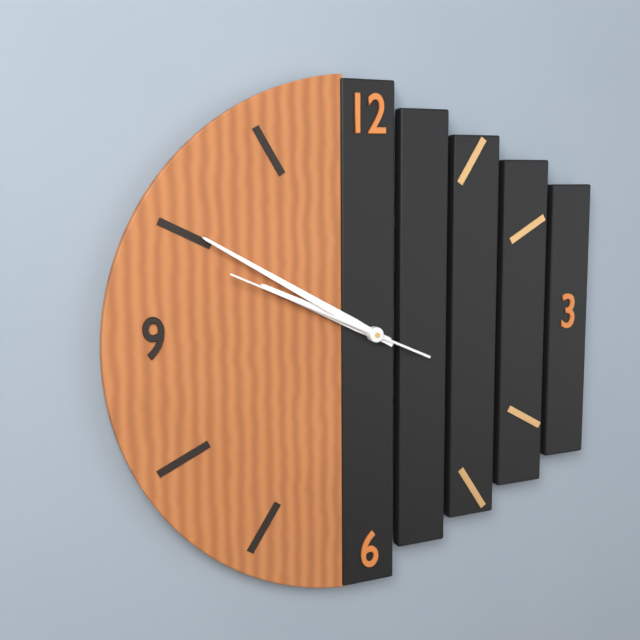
9:50:49
